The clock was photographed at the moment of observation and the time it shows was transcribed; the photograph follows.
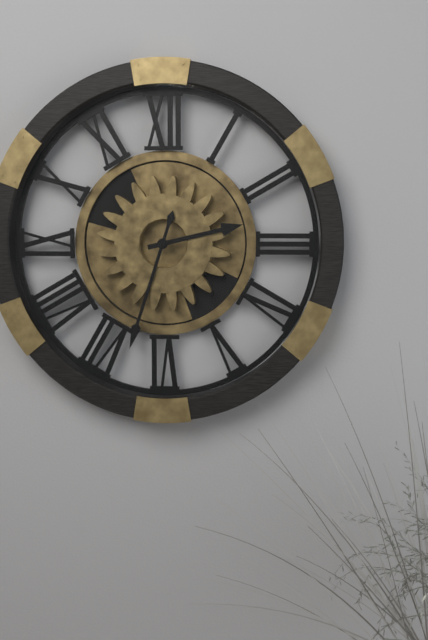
2:33
